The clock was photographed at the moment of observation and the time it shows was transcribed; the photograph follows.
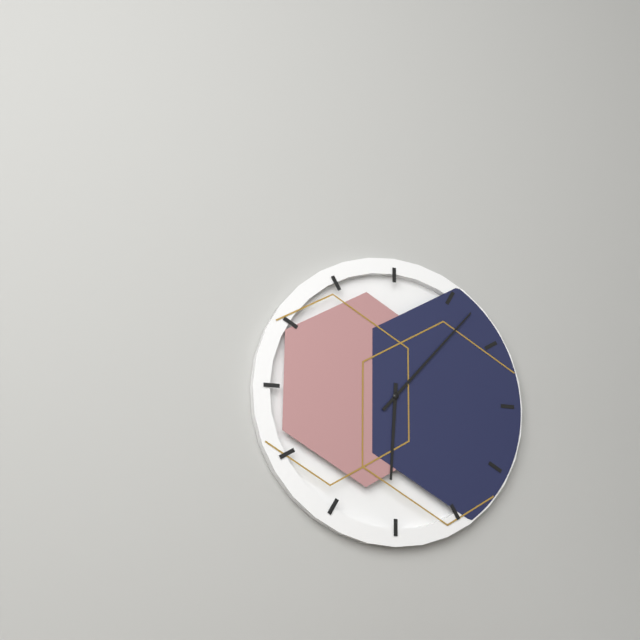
6:07
